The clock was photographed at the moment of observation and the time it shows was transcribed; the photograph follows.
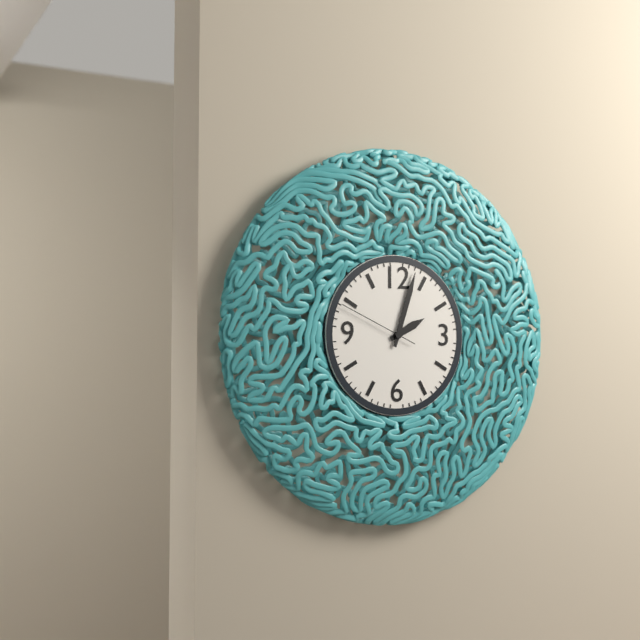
2:03:49
